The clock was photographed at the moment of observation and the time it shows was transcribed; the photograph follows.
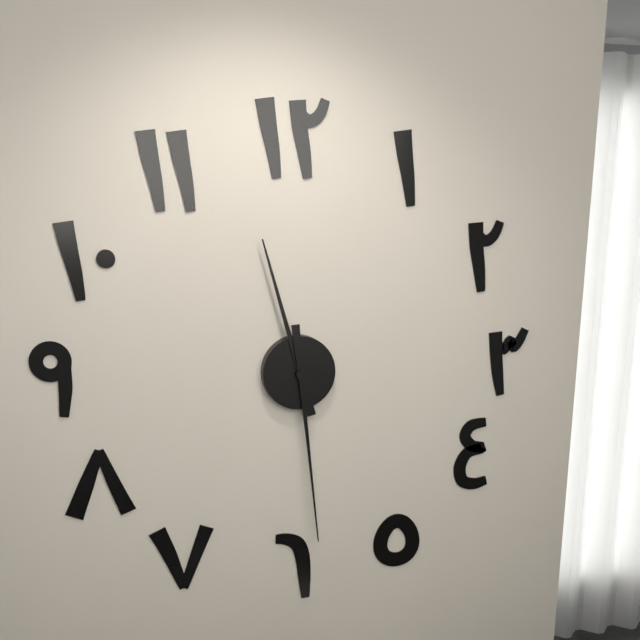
11:29
